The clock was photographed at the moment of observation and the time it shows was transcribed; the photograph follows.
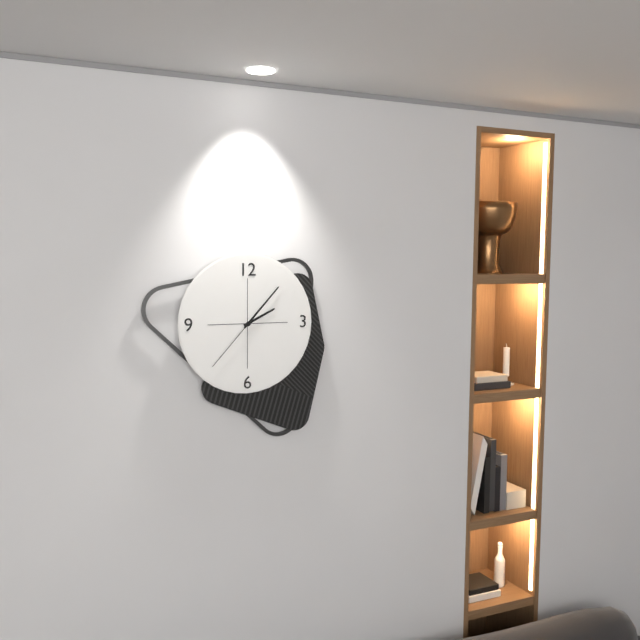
2:07:37
